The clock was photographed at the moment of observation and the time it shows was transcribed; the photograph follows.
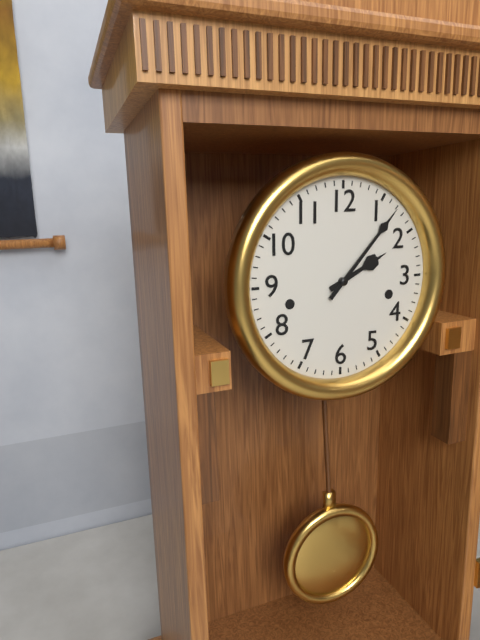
2:07
